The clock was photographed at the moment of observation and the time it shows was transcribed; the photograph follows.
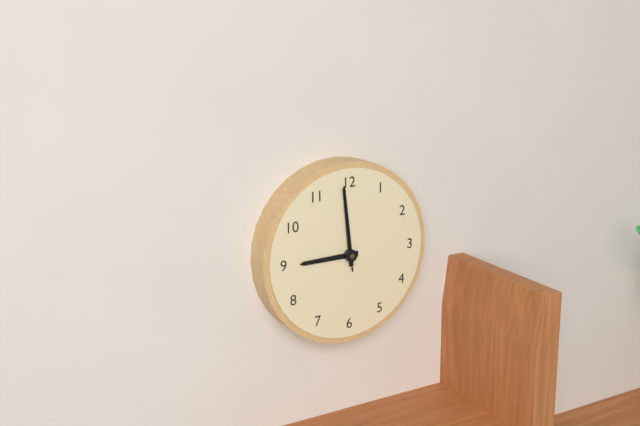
8:59:59
